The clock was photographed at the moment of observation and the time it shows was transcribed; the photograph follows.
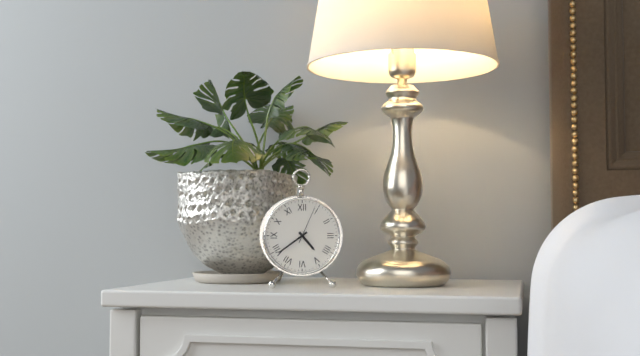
4:39
